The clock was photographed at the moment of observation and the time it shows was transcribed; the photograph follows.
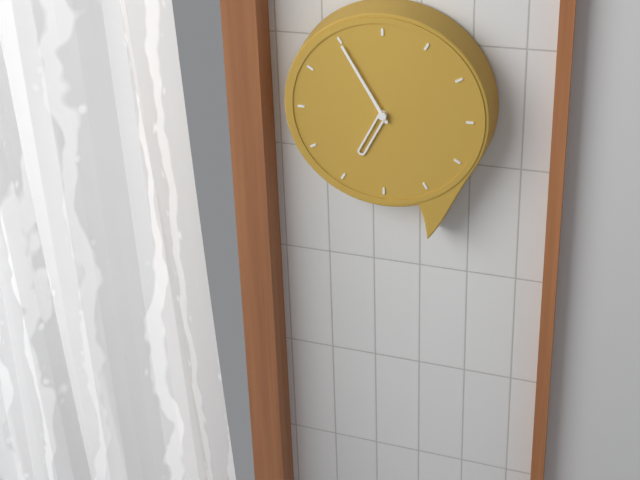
6:55
